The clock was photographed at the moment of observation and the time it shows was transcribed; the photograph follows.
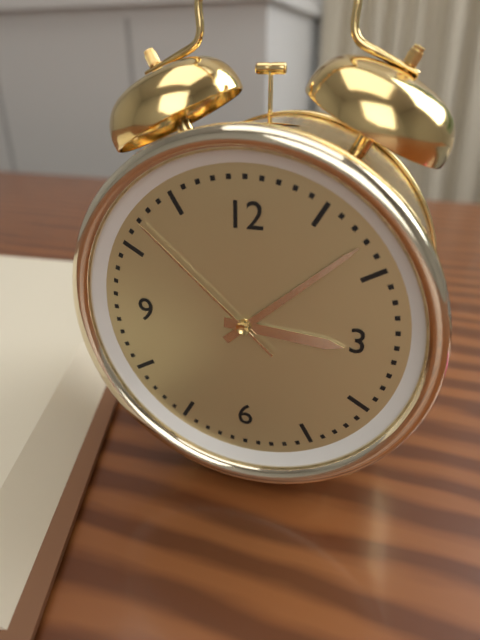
3:08:52
